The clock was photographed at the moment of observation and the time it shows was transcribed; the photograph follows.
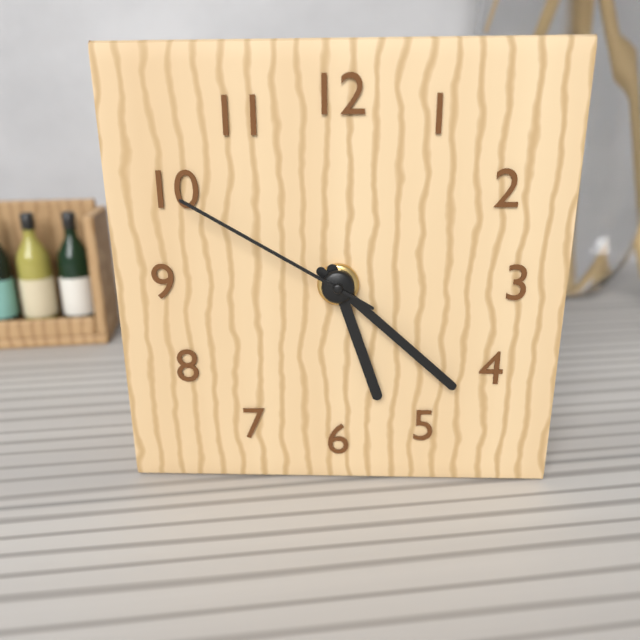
5:22:50
